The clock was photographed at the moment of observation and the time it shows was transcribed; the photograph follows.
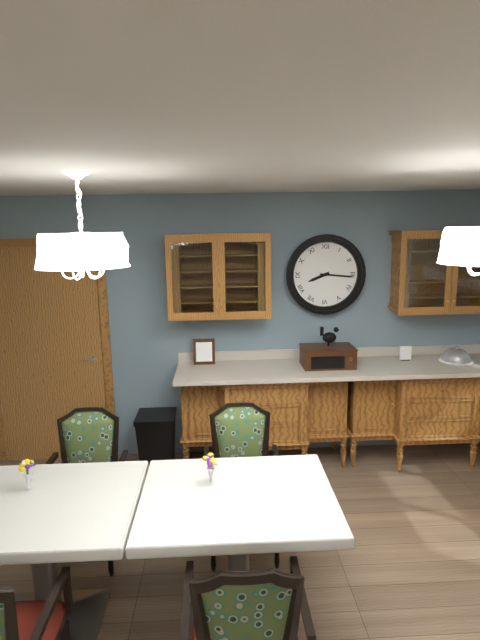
8:16
